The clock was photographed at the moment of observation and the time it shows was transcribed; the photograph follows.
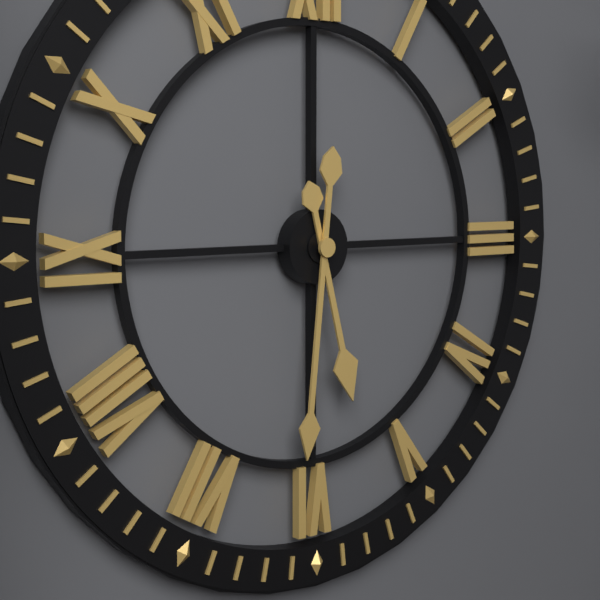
5:31
